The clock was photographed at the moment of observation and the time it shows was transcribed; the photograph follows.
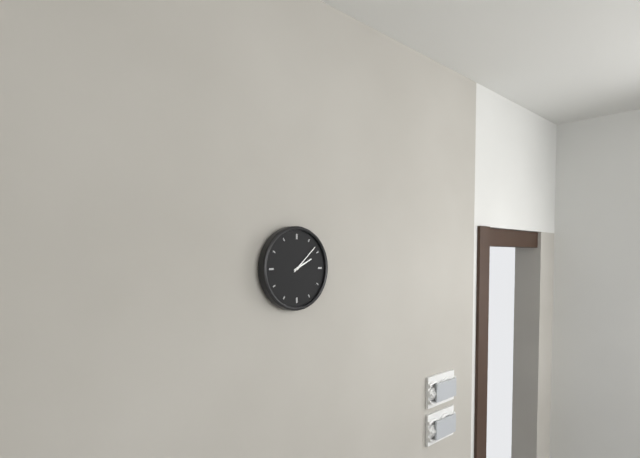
2:08
